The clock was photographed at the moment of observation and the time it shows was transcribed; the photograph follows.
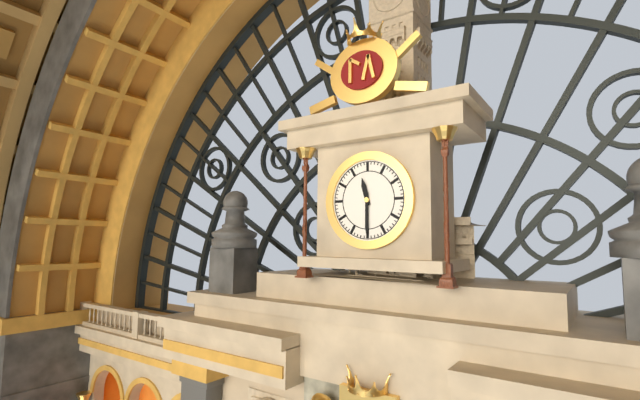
11:30
